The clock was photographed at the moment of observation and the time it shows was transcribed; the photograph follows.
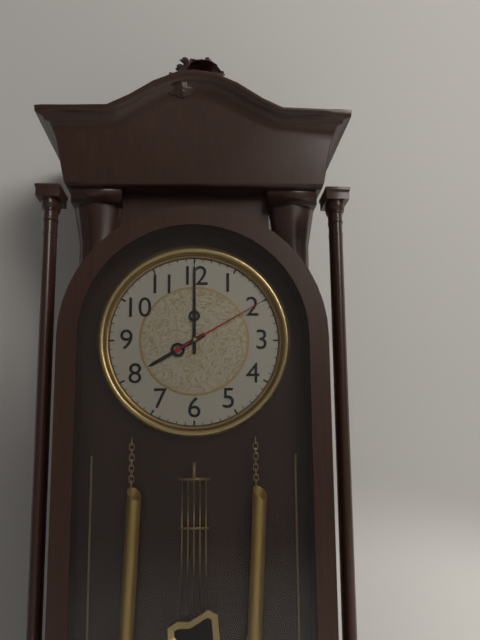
8:00:10
